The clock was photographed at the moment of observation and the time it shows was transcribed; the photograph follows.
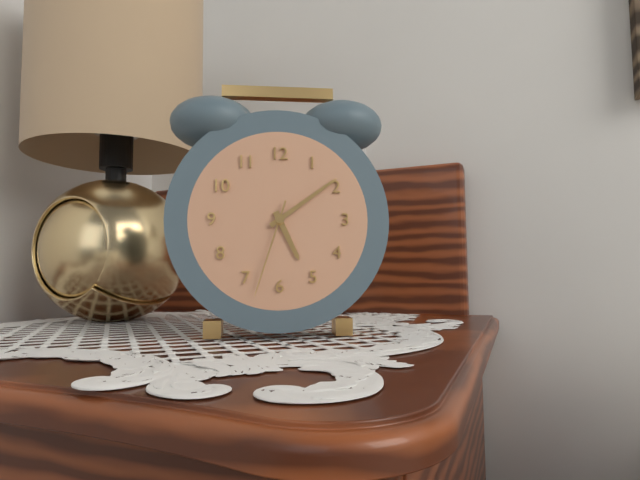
5:09:33
